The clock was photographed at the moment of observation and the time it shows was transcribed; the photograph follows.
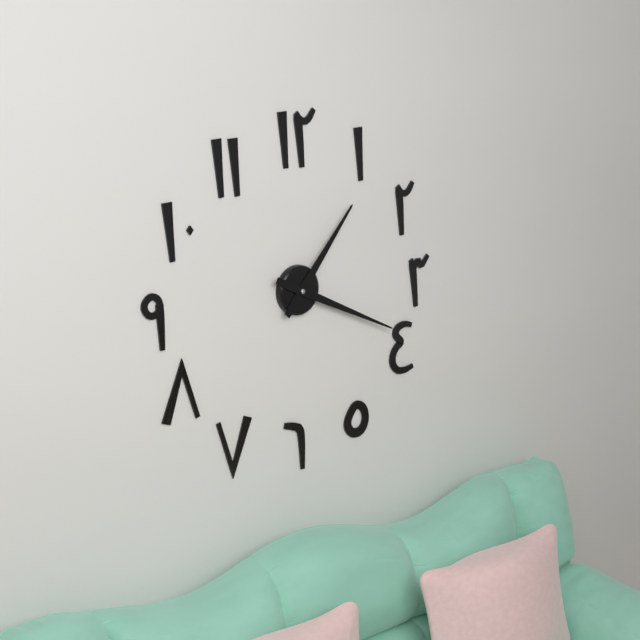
1:19
